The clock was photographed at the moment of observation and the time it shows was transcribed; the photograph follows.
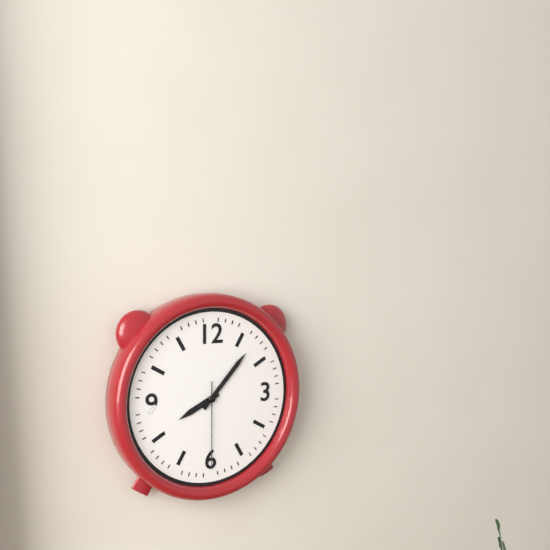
8:07:30
